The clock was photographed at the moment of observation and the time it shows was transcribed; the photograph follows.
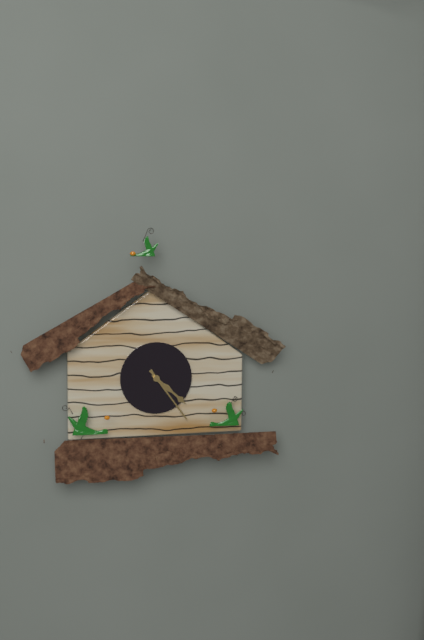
4:24
